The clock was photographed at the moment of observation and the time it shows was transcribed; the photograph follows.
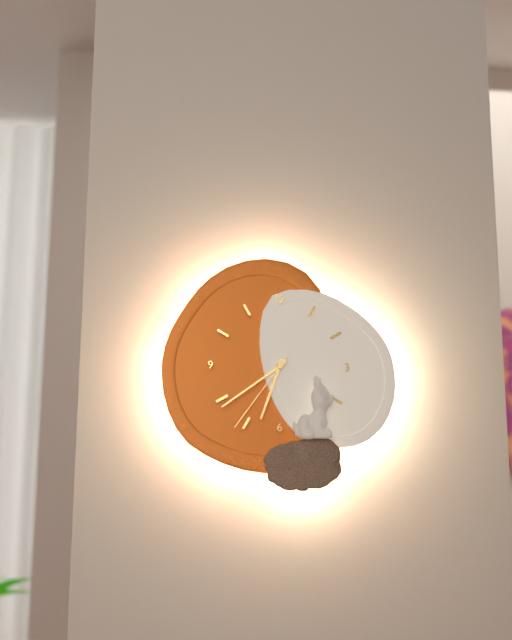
6:39:36
